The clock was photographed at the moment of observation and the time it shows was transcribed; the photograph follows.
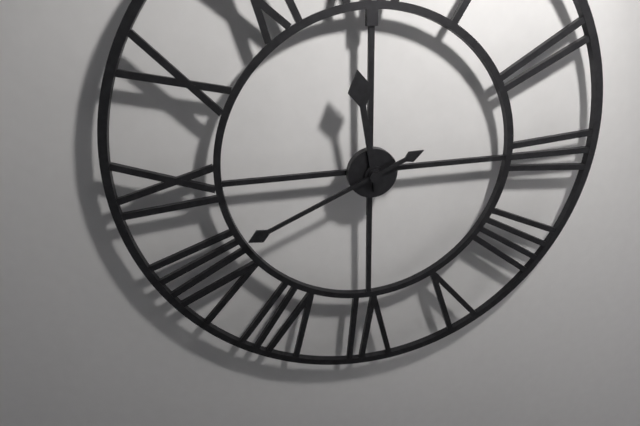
11:41
